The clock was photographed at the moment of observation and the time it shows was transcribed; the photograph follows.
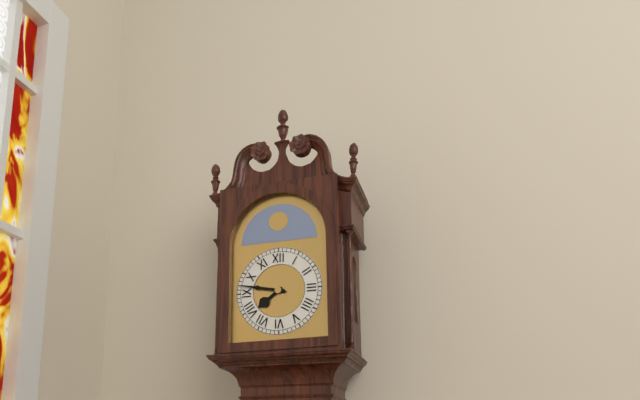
7:47
